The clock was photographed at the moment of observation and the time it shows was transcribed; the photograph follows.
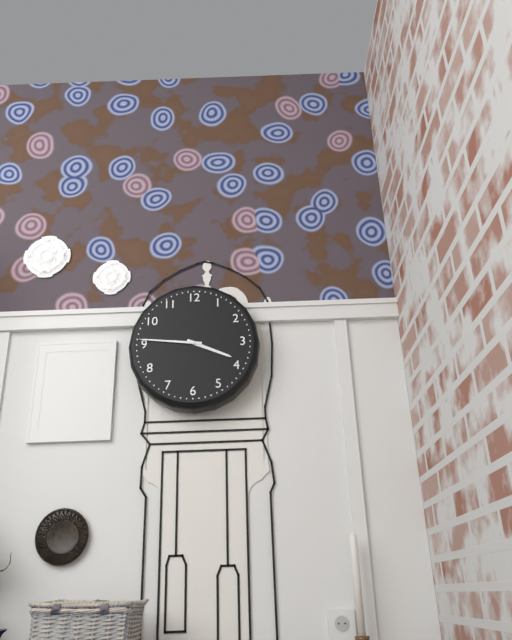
3:46
